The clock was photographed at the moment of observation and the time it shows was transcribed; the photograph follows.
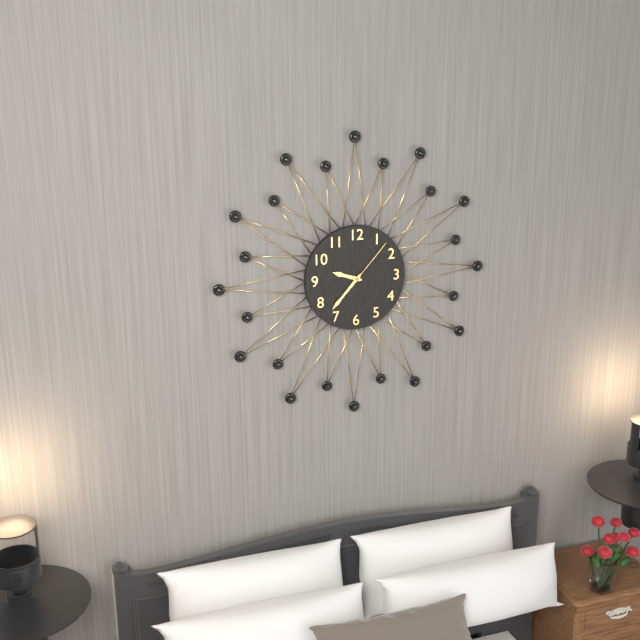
9:37:07
